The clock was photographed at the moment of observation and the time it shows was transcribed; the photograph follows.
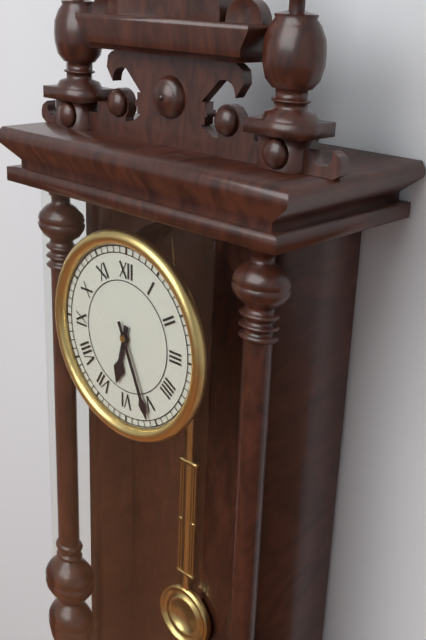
6:26
